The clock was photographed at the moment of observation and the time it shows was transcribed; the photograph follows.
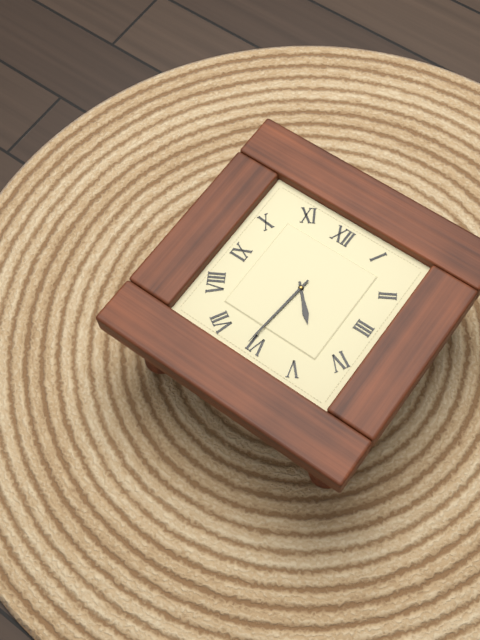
4:31
